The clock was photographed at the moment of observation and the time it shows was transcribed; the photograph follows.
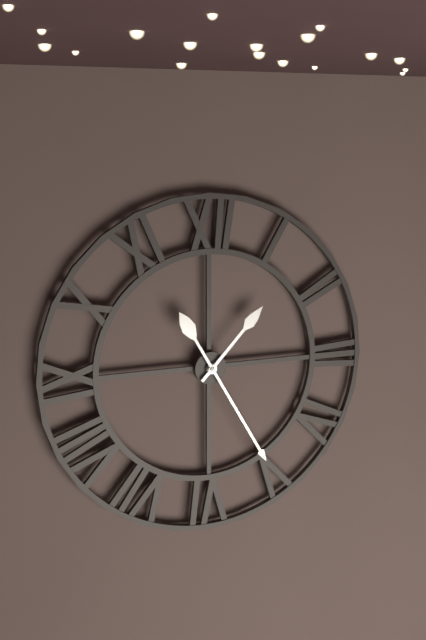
1:25
